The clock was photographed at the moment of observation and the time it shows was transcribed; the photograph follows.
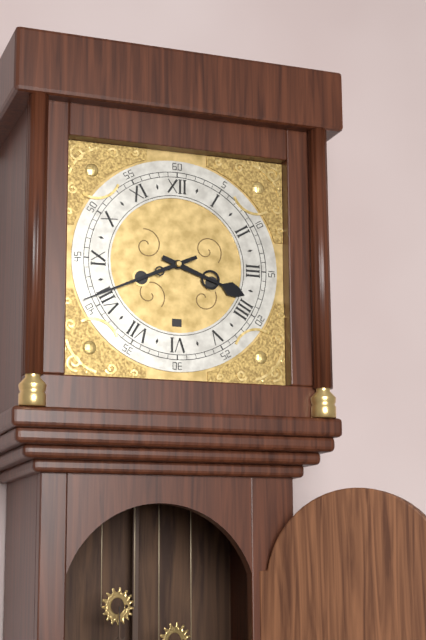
3:41
